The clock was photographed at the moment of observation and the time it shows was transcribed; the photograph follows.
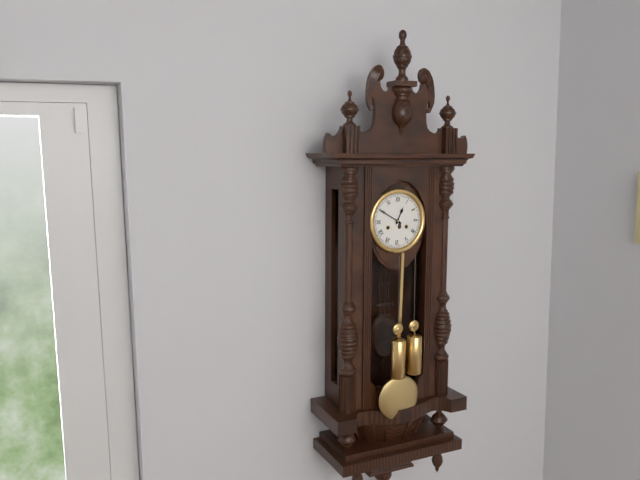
12:50
